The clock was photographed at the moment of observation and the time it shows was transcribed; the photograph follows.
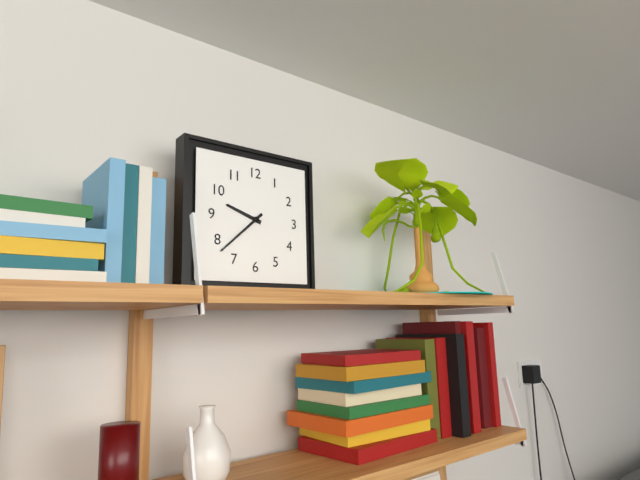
9:38
